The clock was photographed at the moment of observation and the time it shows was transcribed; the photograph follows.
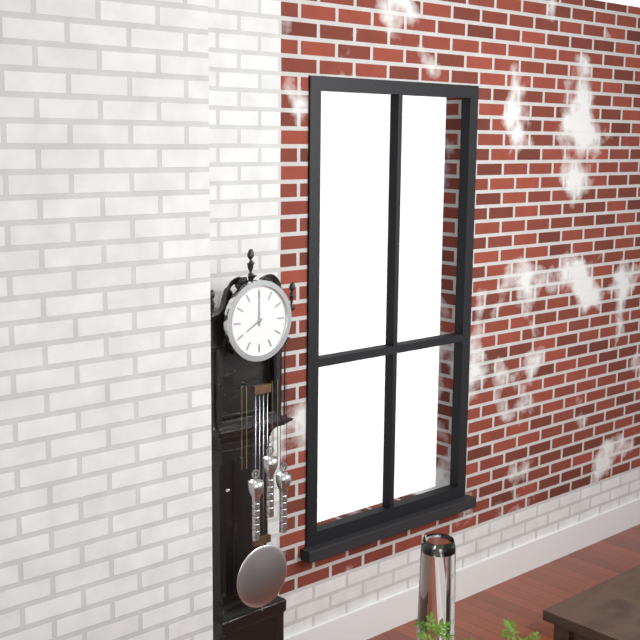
8:00
